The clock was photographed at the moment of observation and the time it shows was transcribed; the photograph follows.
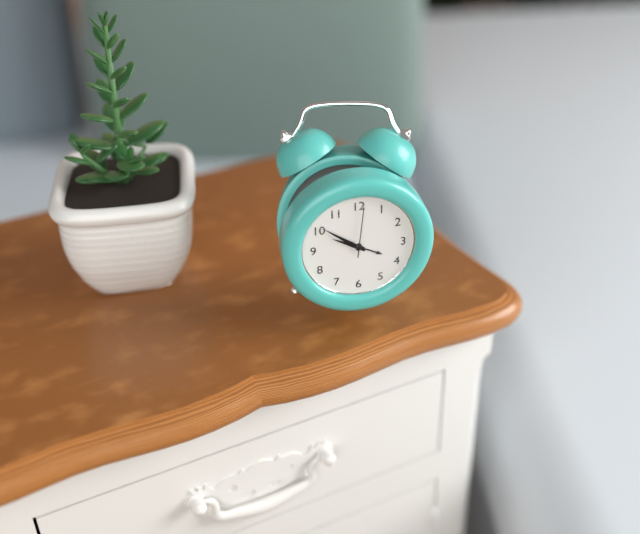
9:51:01
